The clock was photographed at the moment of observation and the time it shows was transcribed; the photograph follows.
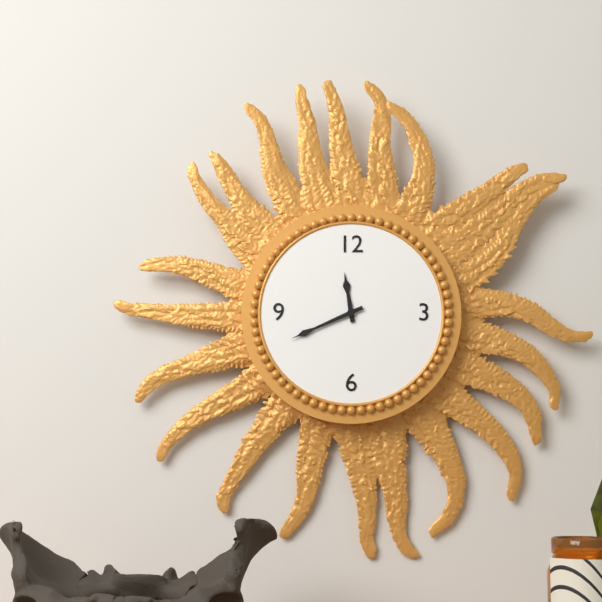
11:41
